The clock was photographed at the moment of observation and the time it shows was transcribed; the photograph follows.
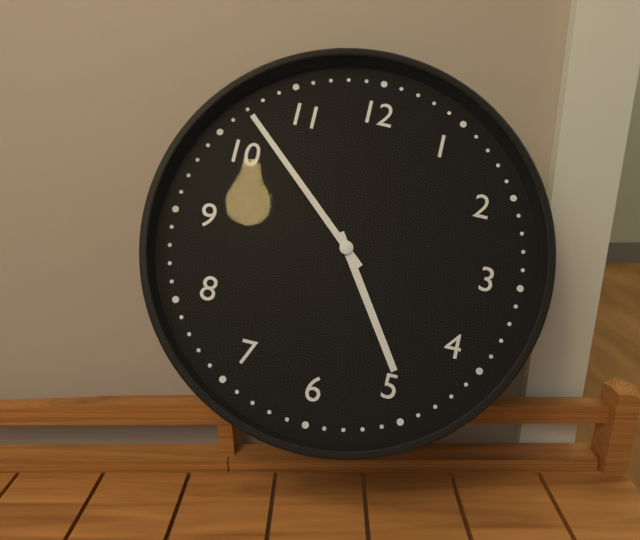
4:52
